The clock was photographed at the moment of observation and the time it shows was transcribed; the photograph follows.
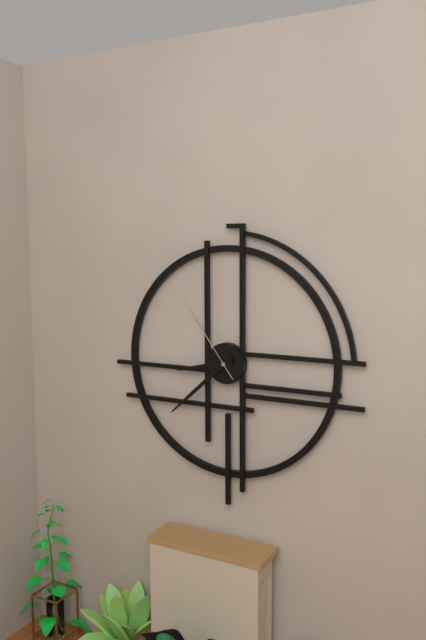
8:38:54
